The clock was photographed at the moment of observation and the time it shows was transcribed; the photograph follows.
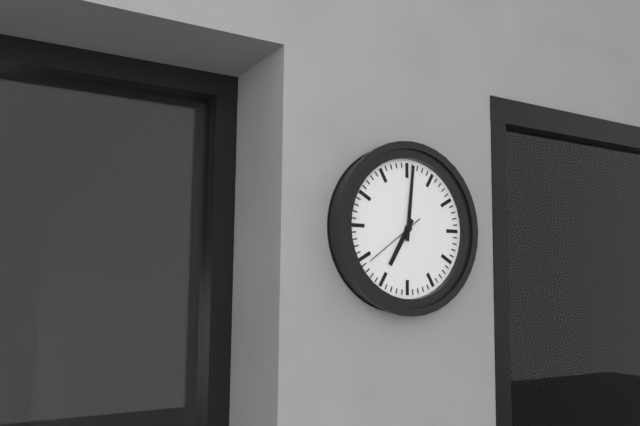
7:01:39
